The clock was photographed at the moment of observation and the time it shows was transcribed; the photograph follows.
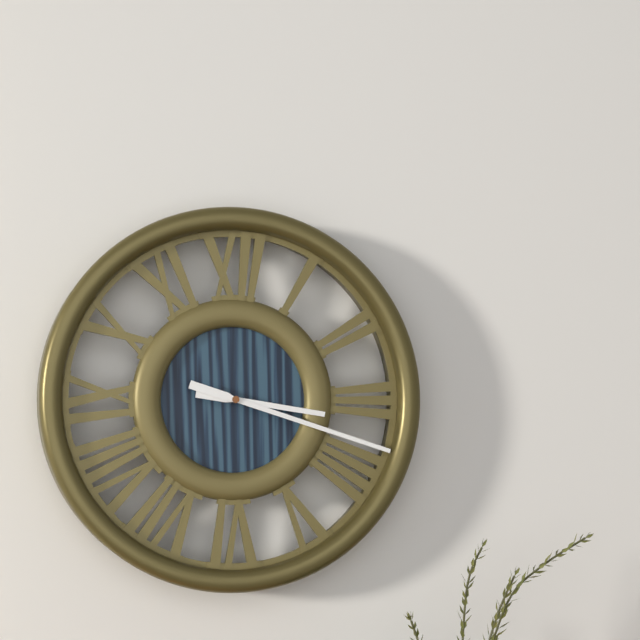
3:18
